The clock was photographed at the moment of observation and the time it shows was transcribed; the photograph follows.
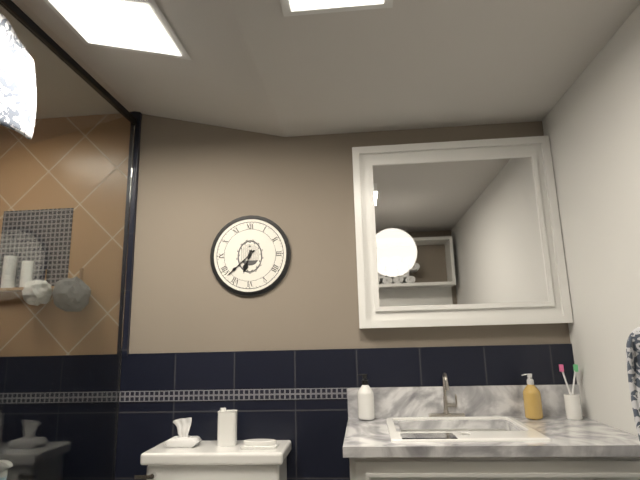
6:38
